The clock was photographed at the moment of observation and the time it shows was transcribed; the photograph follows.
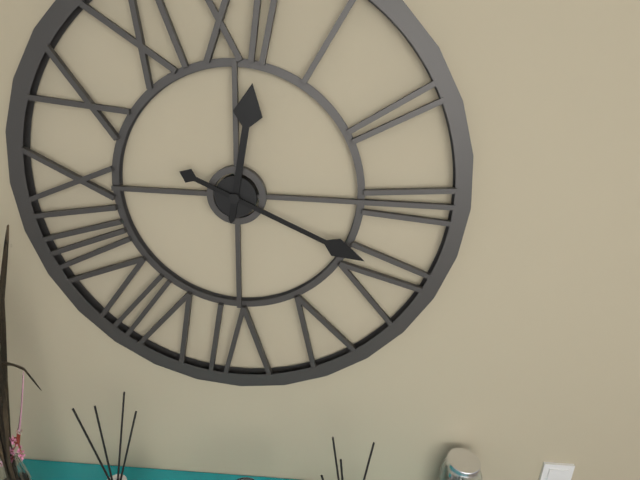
12:19
